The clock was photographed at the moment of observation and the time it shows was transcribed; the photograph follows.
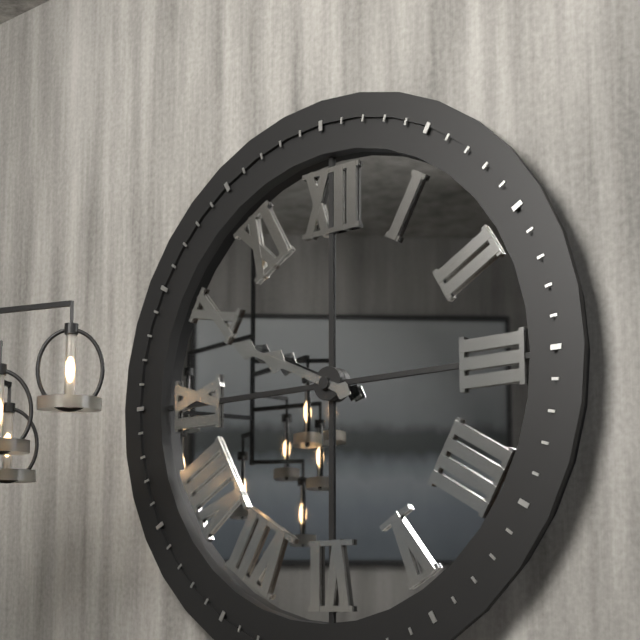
9:49
